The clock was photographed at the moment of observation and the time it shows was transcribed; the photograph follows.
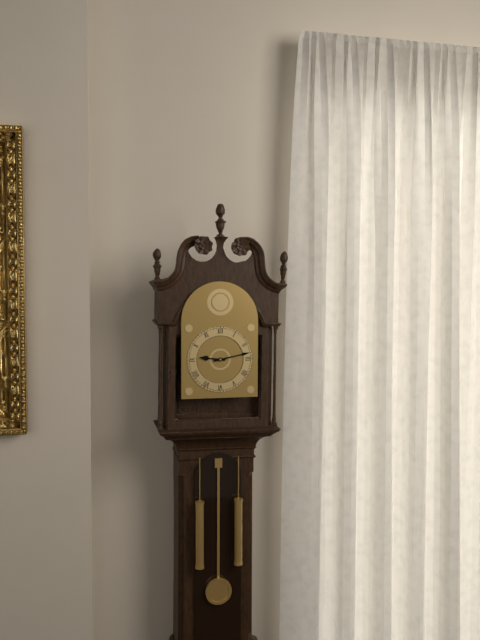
9:13
